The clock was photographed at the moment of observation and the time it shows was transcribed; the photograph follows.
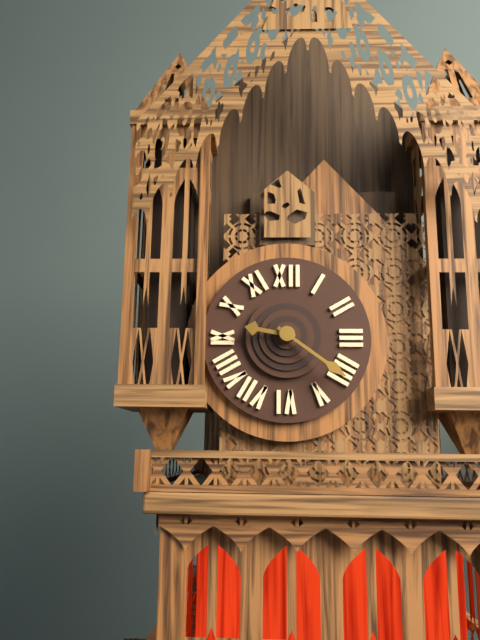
9:21
